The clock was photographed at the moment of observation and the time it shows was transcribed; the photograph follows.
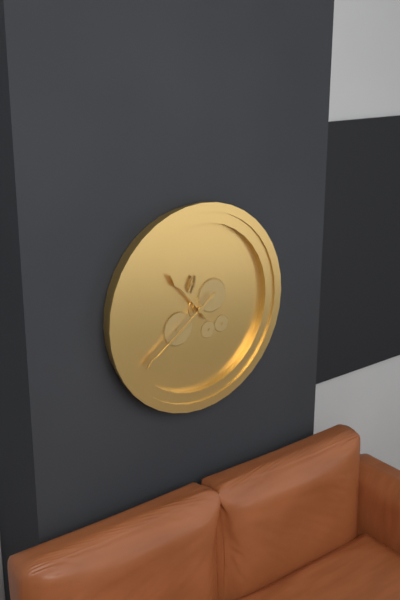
10:39
